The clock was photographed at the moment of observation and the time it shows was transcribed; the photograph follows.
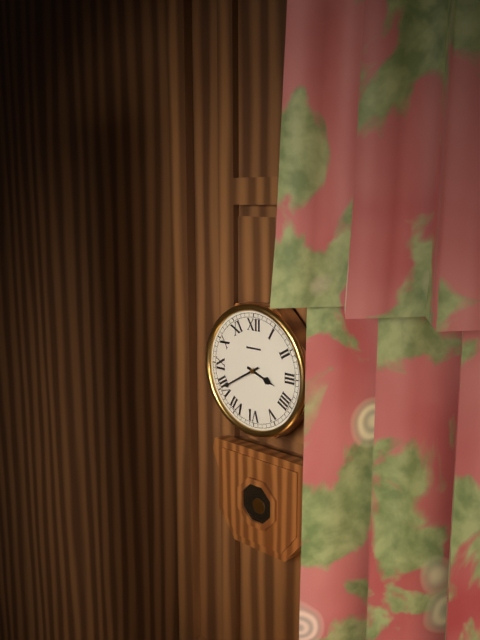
3:40
